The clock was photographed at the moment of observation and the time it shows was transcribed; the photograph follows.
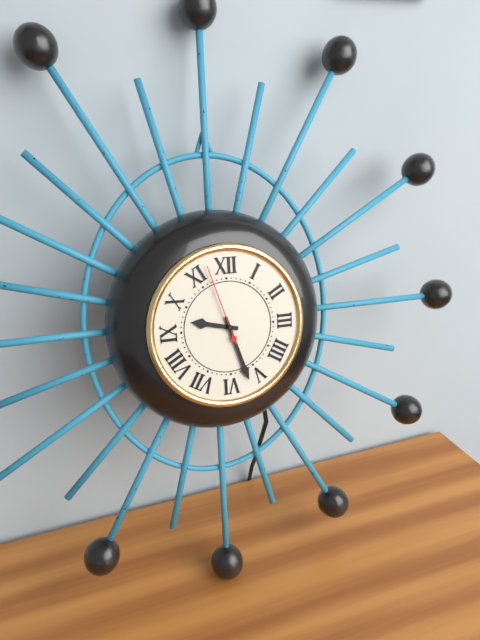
9:27:57
